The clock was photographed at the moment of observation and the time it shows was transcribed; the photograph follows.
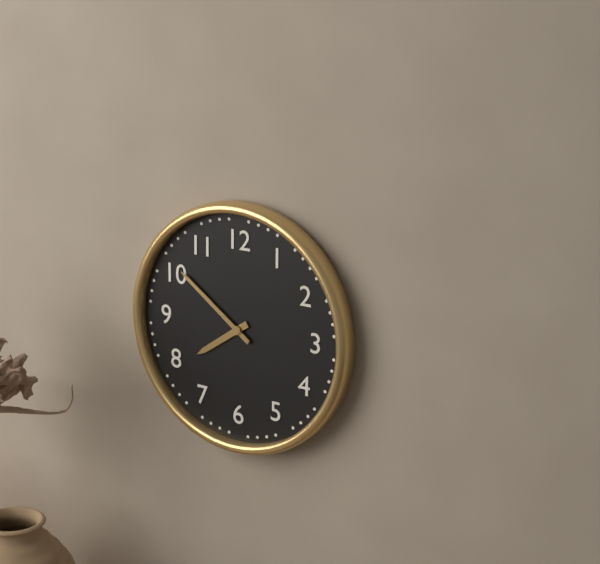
7:51
